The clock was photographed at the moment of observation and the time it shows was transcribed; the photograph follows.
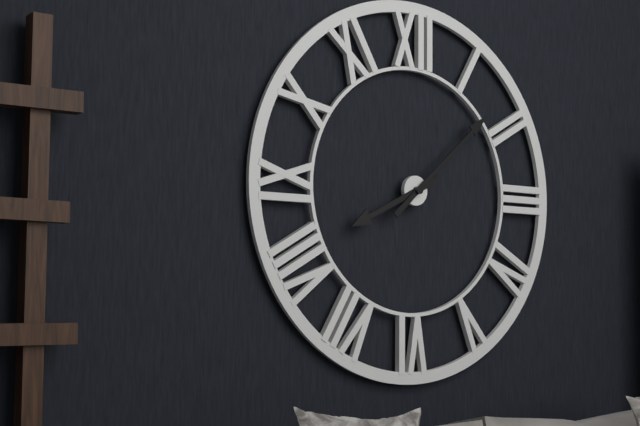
8:08
